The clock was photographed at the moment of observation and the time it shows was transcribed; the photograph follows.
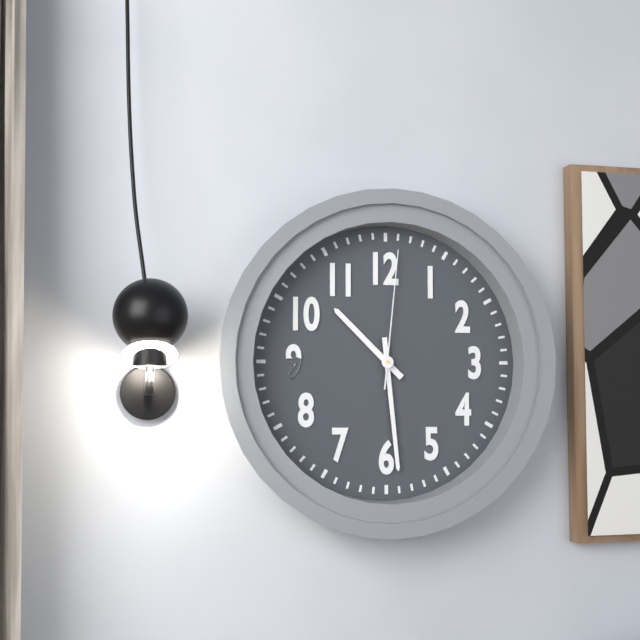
10:29:01
